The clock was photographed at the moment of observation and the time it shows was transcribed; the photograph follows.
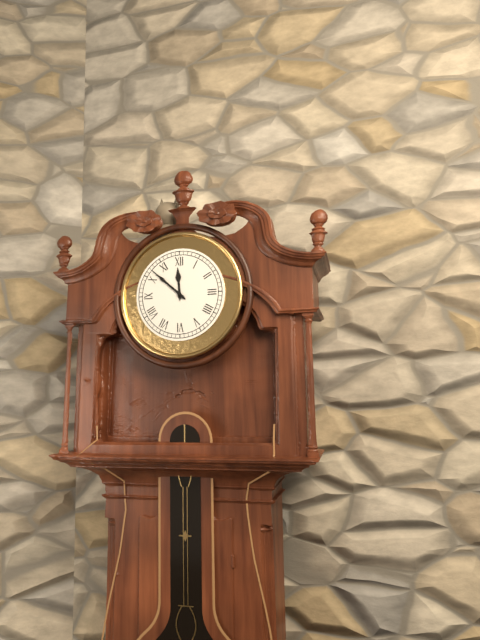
11:52
